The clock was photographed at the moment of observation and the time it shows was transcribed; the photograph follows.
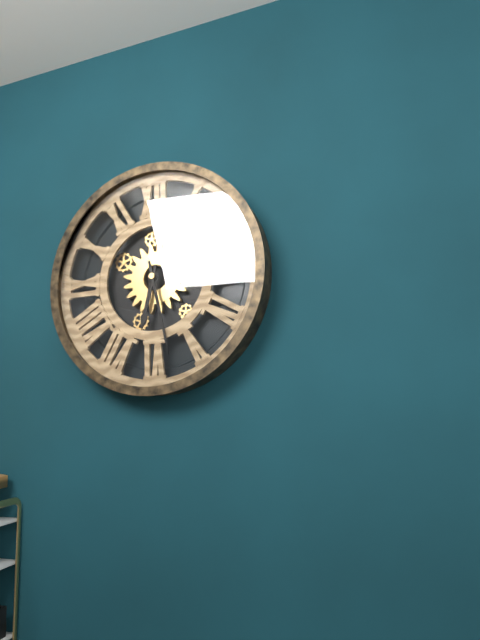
6:28
